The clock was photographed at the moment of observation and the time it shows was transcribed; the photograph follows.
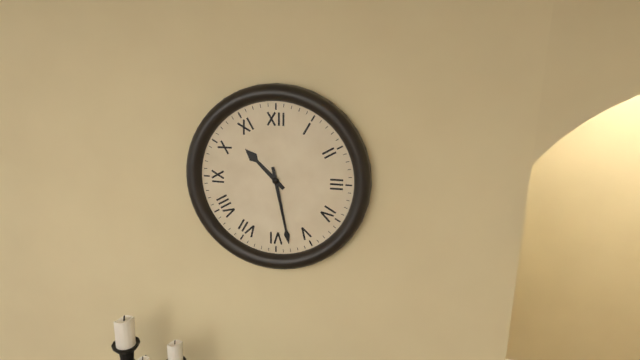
10:28
